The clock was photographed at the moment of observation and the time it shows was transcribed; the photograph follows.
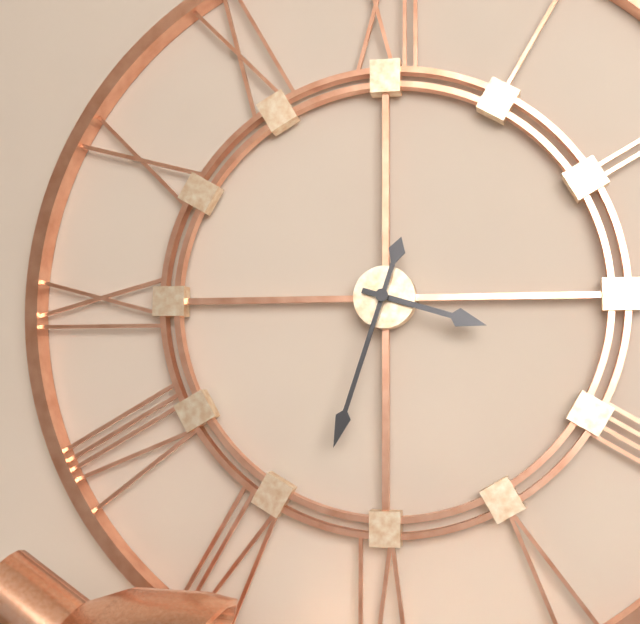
3:33
